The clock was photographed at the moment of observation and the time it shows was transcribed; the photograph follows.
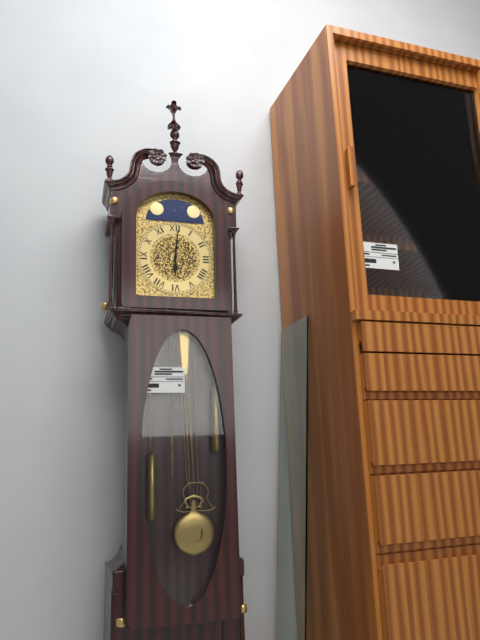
6:01
